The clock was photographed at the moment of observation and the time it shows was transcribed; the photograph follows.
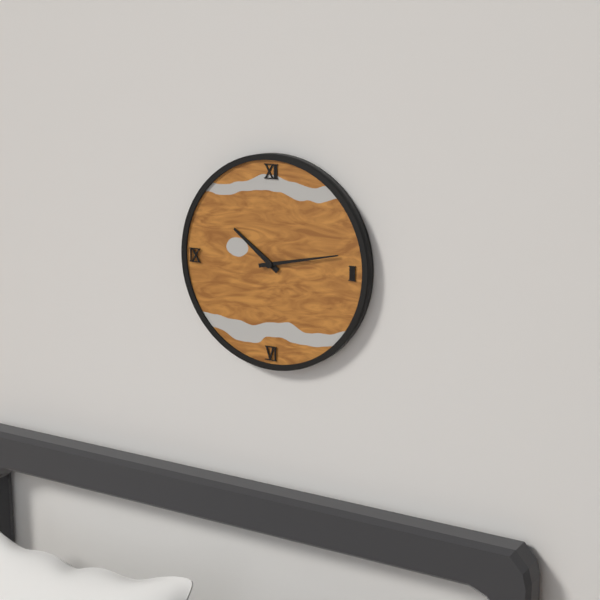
10:13
